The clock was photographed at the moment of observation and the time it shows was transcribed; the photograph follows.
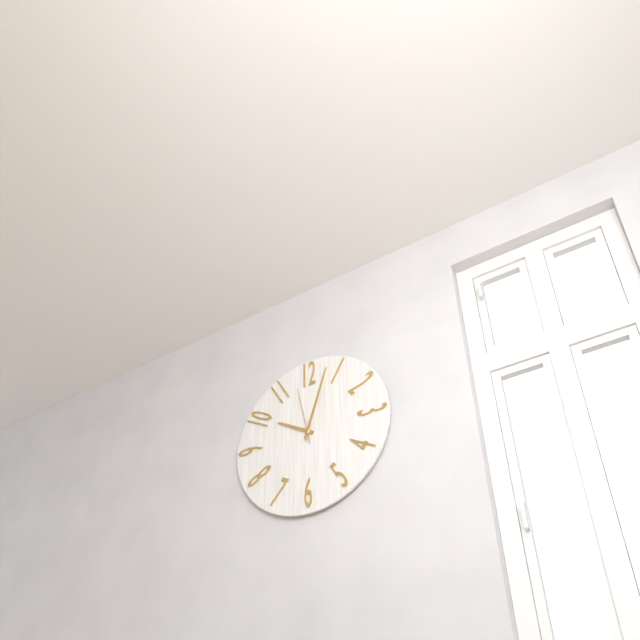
10:03:58
